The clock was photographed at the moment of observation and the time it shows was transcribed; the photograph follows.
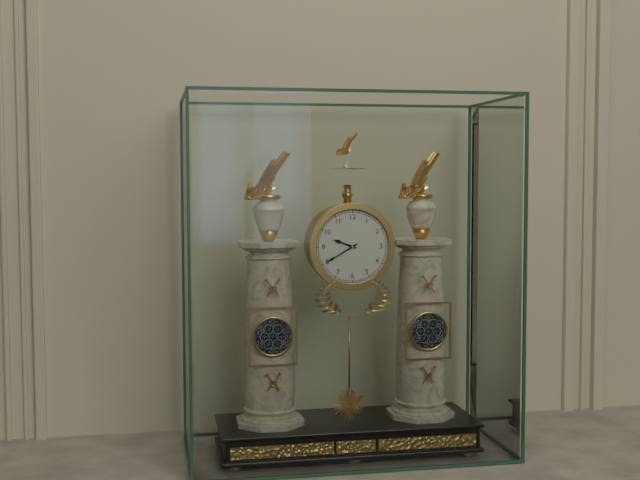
9:40
